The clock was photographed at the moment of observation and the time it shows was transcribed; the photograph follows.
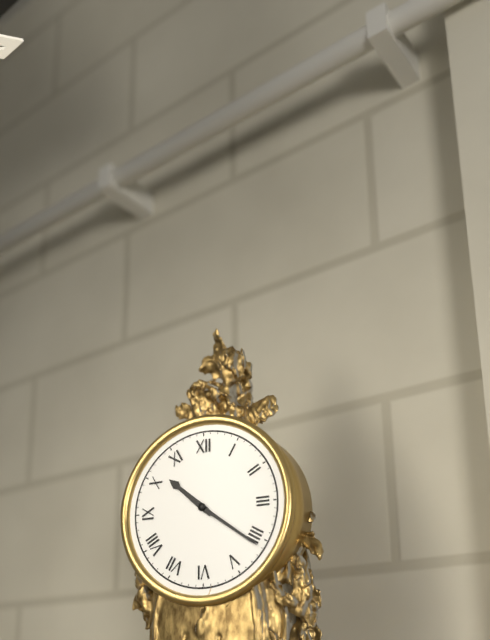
10:21
